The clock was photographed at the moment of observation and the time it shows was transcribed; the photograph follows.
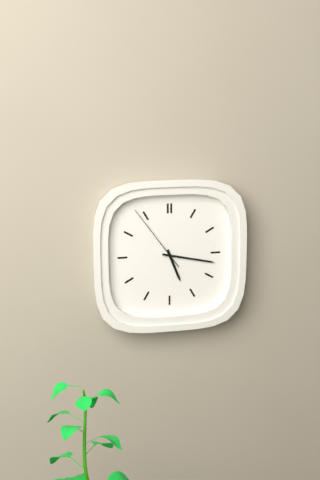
5:17:54
